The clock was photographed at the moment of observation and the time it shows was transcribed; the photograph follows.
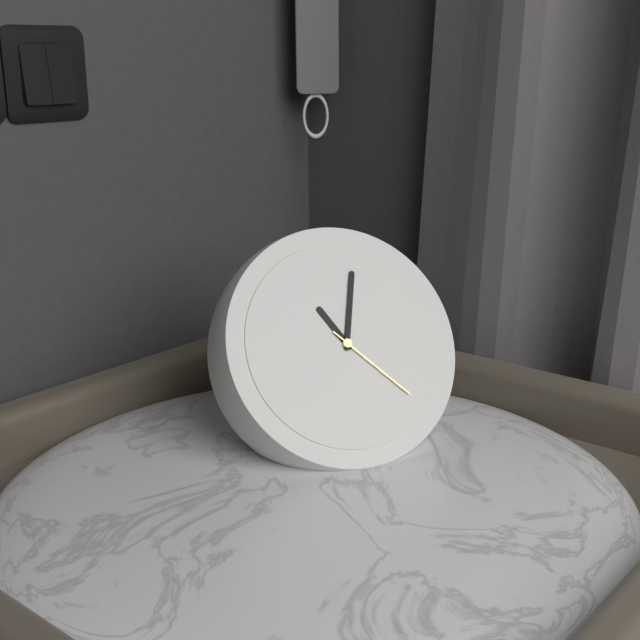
11:03:23
